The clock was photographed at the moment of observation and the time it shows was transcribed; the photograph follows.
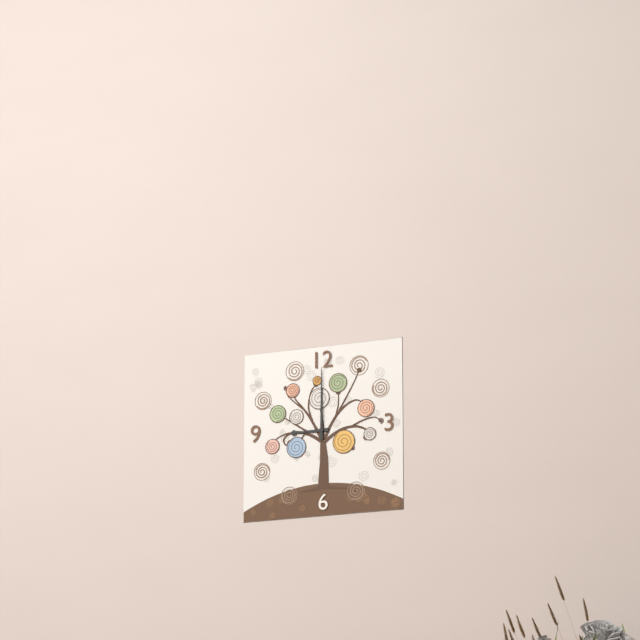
9:00
